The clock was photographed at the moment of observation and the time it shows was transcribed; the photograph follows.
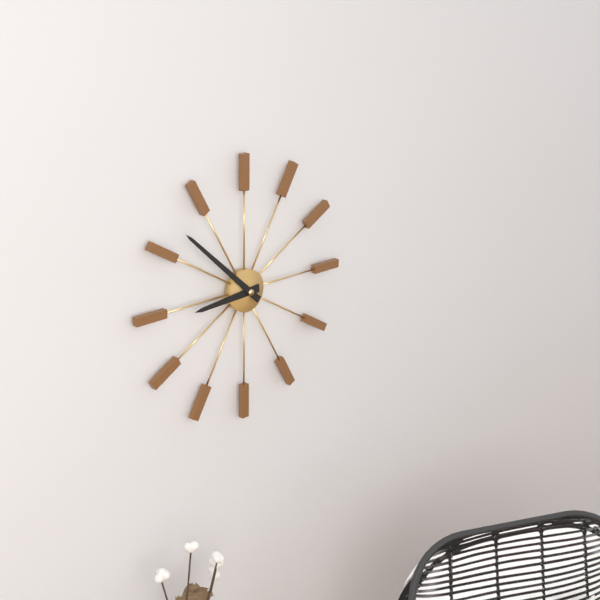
8:52
